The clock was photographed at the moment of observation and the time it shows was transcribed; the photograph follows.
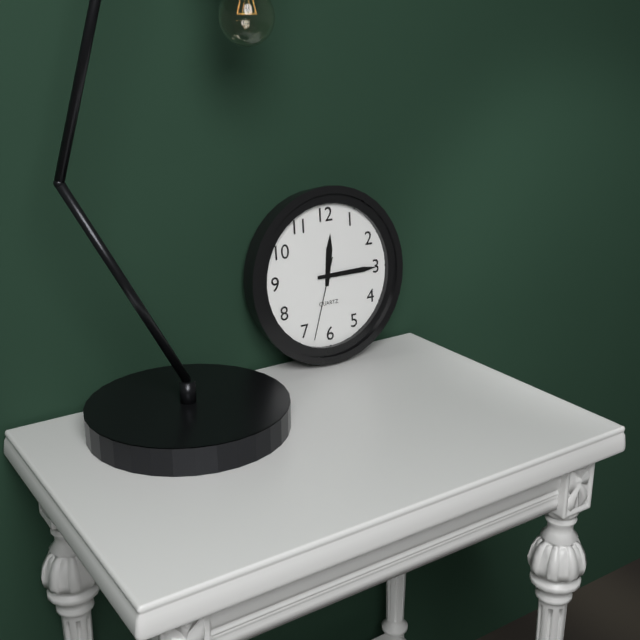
12:15:33
